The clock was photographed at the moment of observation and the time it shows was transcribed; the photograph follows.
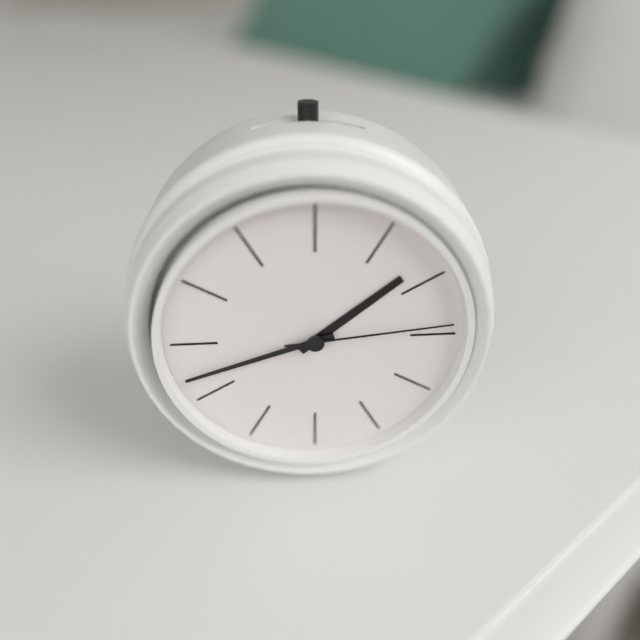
1:42:14
